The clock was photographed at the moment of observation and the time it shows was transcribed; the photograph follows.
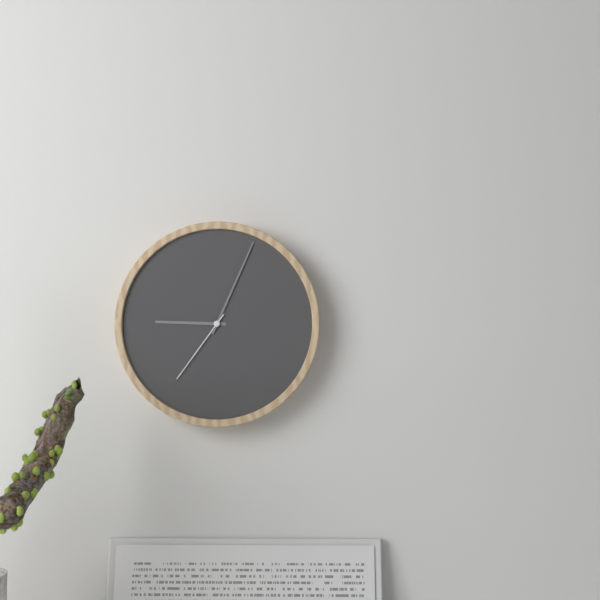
9:04:36
